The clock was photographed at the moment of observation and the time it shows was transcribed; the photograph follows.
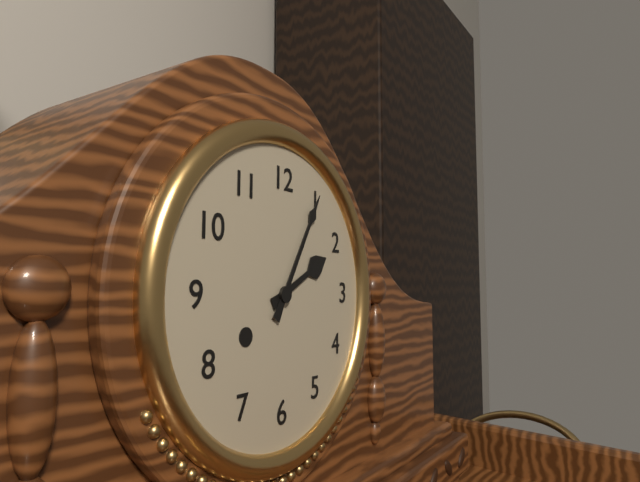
2:05
